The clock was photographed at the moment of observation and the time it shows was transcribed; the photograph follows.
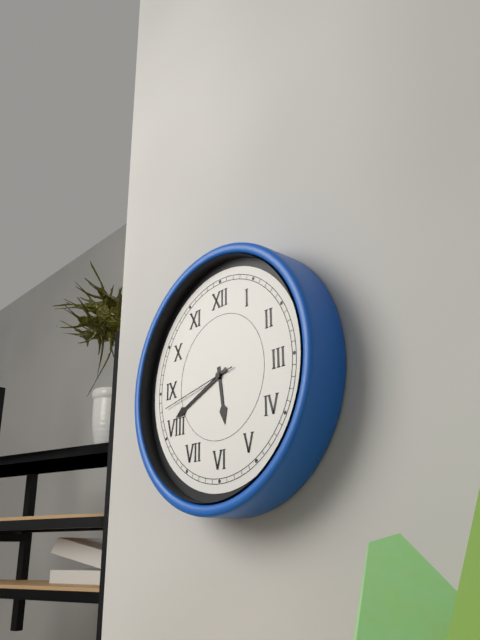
5:41:43
